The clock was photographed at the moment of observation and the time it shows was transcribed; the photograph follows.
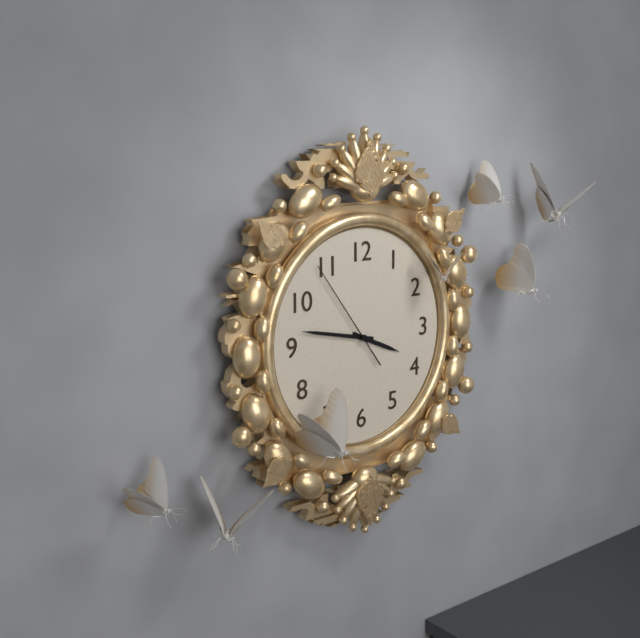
3:47:54
